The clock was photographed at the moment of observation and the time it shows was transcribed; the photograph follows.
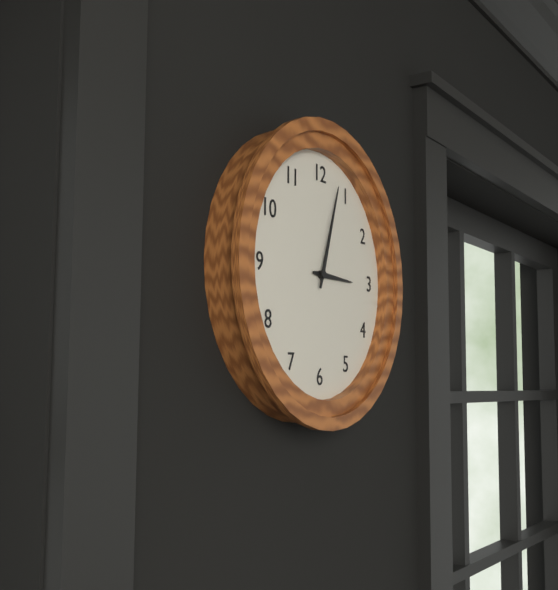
3:03
